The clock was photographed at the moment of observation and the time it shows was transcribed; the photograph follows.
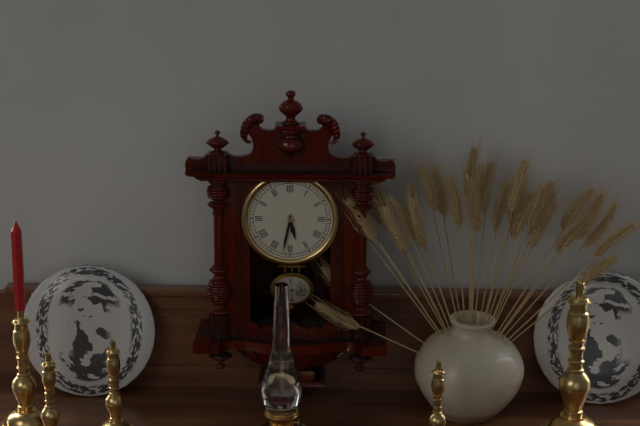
5:32
